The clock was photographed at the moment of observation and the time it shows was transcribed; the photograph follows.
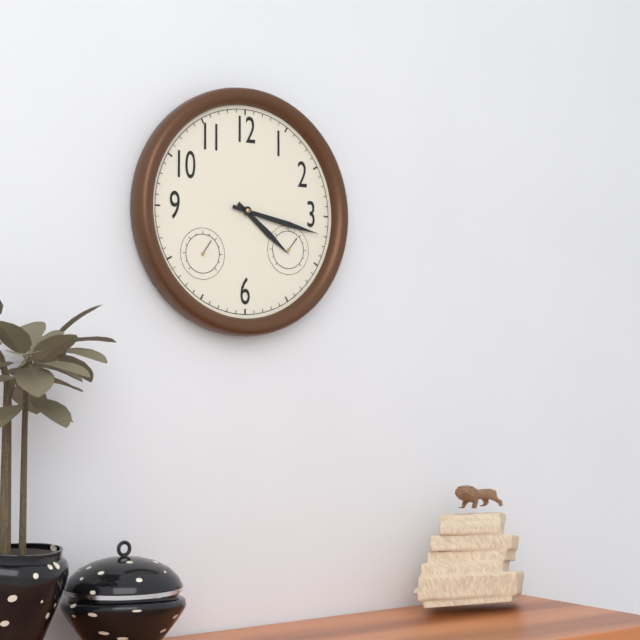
4:17
